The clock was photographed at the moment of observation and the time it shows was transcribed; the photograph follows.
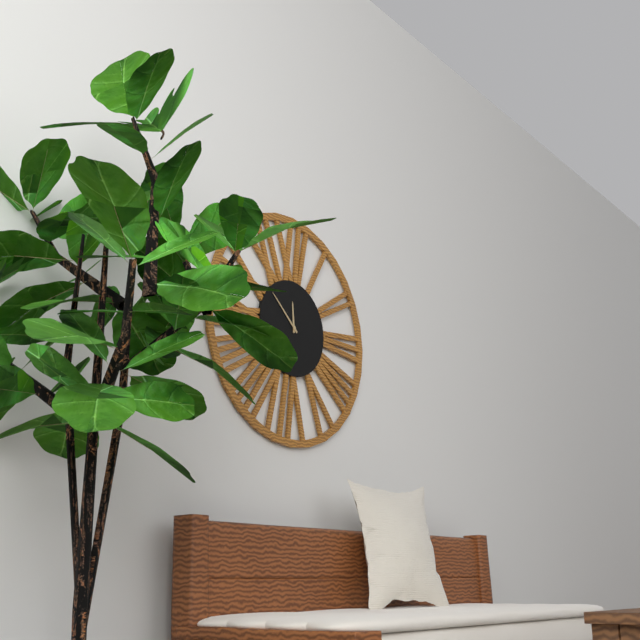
11:52
